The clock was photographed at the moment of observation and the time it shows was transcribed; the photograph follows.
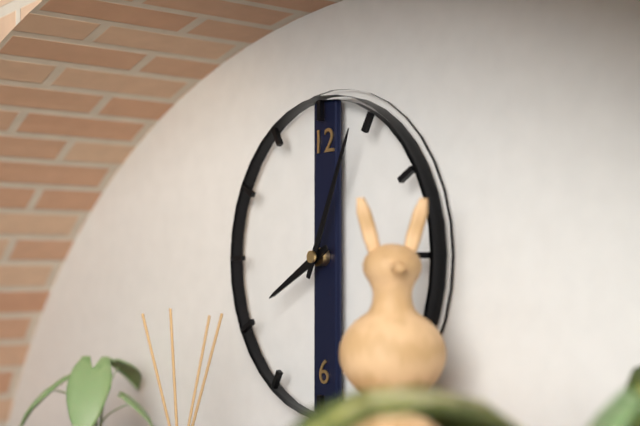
8:04
